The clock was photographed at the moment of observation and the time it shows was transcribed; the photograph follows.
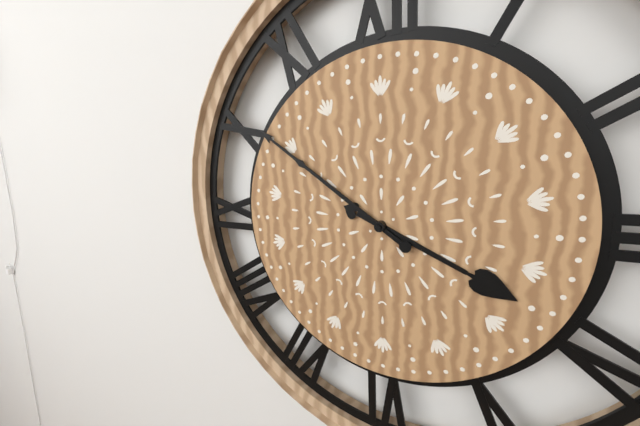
3:51
